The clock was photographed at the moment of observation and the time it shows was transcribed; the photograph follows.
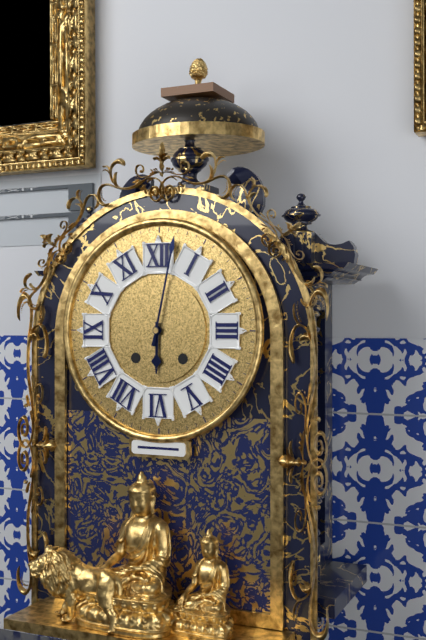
6:02
